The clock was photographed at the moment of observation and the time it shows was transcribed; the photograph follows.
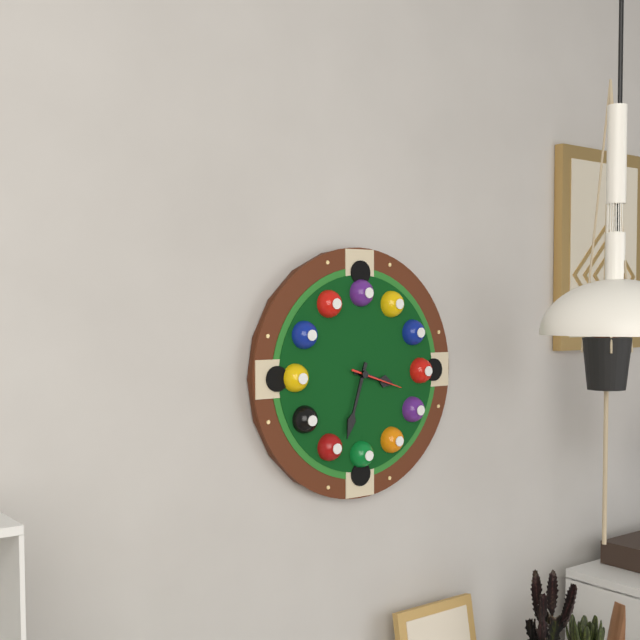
3:33:18
